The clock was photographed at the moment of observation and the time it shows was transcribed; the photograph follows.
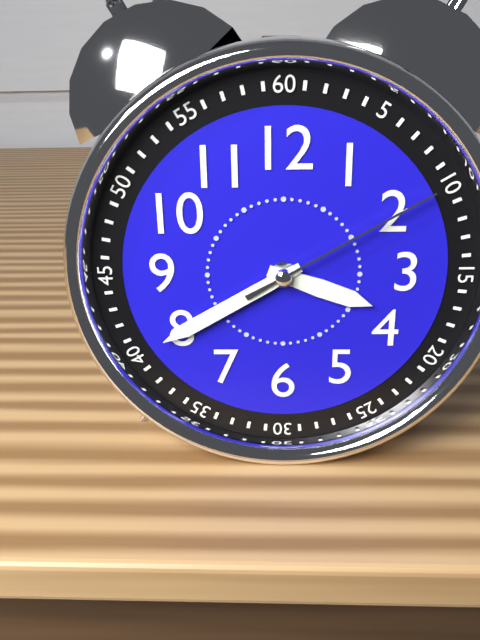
3:40:10
